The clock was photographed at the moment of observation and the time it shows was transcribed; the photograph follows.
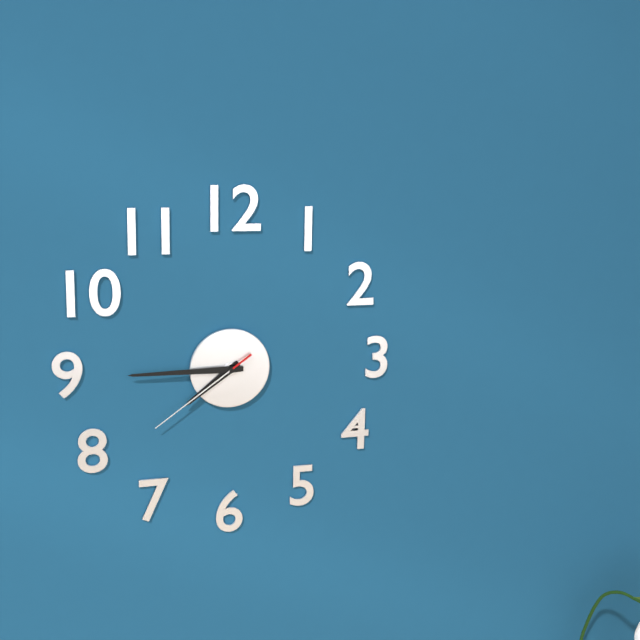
7:45:39
